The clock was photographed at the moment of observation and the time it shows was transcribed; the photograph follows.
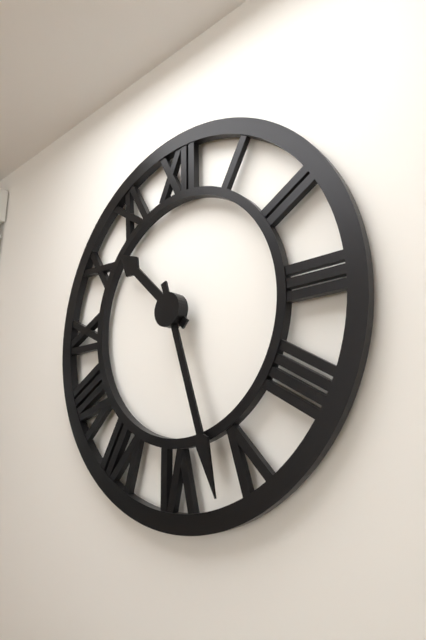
10:27
